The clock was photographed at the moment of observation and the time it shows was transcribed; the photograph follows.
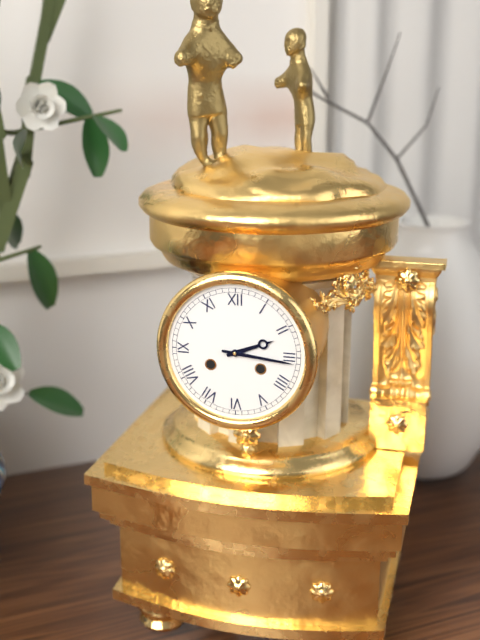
2:16
